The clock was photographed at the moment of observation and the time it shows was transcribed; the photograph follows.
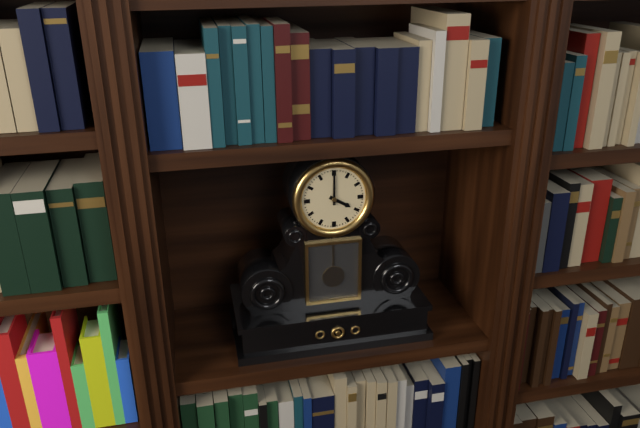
4:00
